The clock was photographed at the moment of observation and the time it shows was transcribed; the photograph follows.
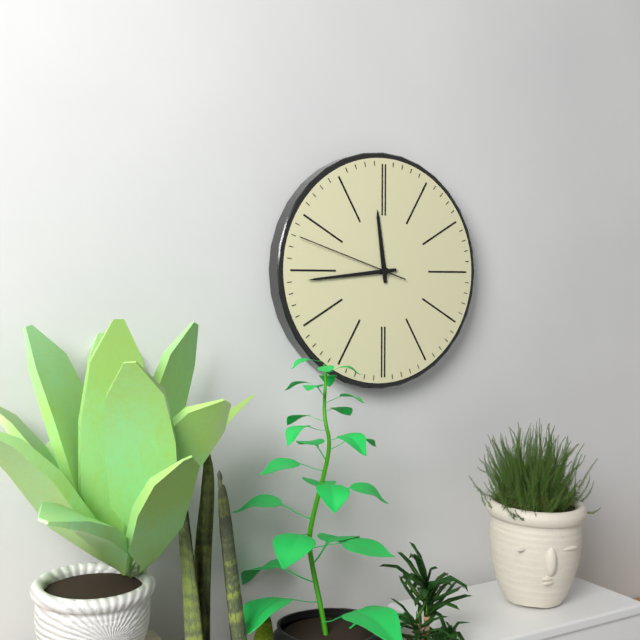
11:44:48
